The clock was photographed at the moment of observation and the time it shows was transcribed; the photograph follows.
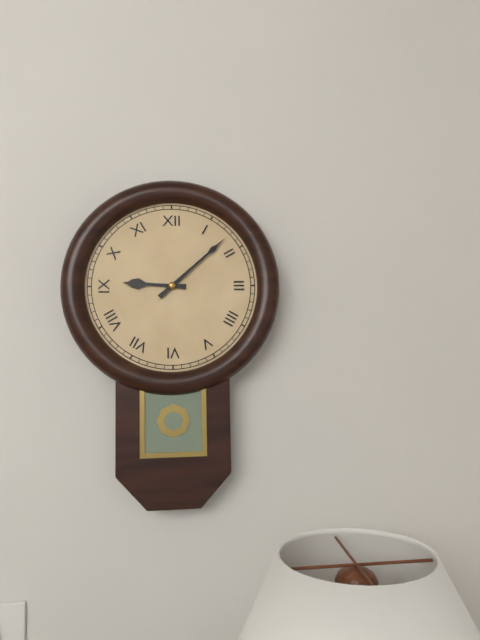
9:08
